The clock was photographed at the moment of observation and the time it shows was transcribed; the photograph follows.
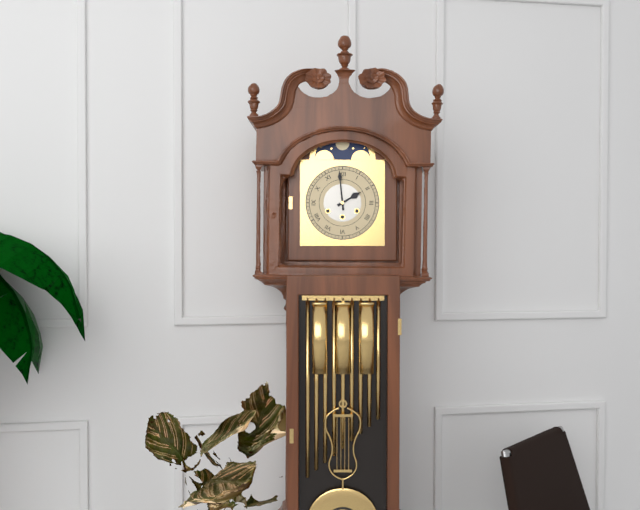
1:59
